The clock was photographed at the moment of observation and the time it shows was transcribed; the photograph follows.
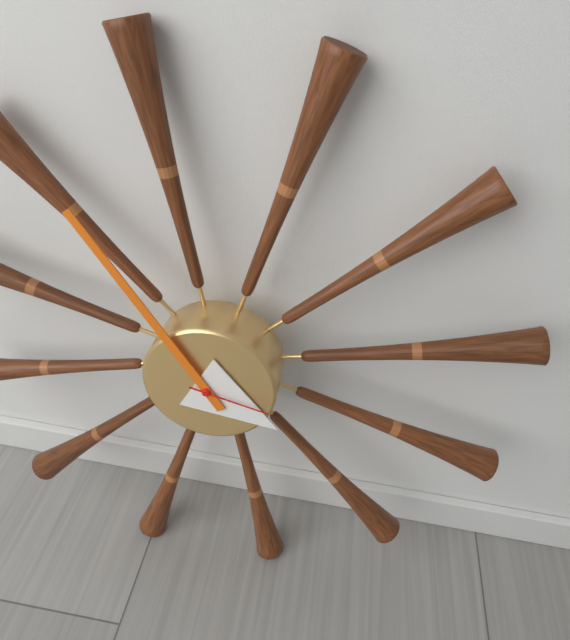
3:54:17
